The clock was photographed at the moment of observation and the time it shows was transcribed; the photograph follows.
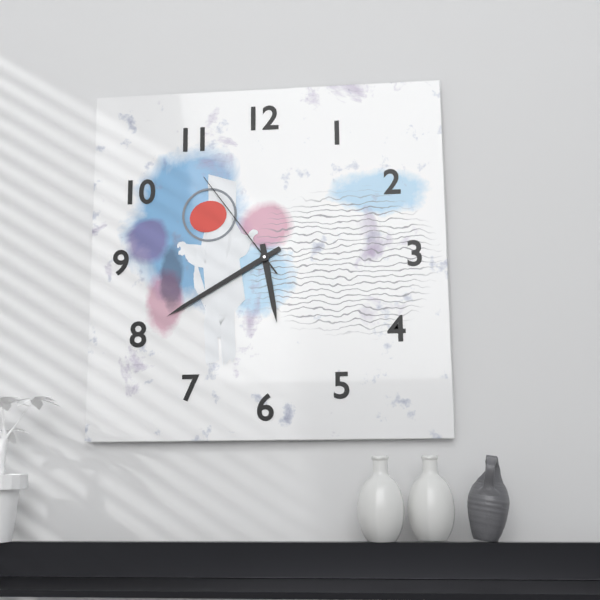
5:40:54
